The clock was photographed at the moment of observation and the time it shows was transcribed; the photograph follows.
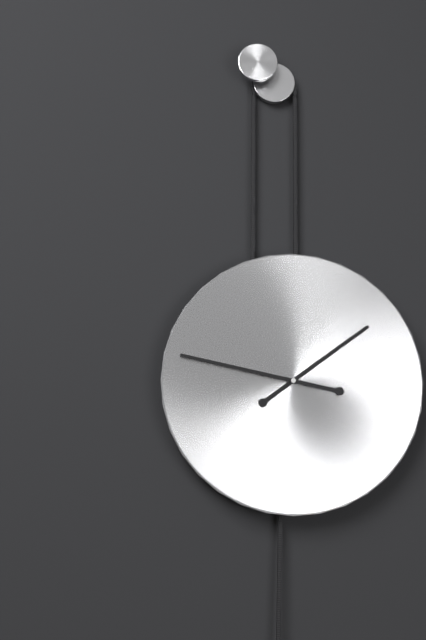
1:47
